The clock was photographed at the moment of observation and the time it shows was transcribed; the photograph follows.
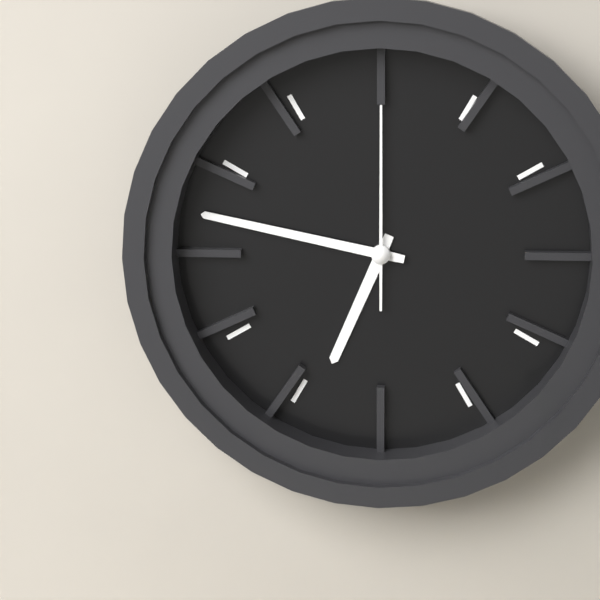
6:47:00
